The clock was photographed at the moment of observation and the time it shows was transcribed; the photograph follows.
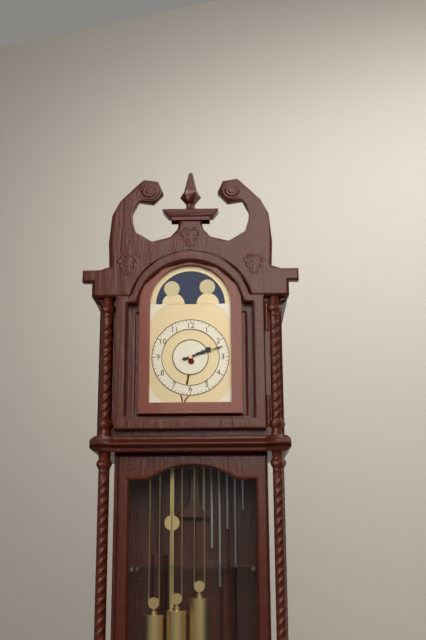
2:12
